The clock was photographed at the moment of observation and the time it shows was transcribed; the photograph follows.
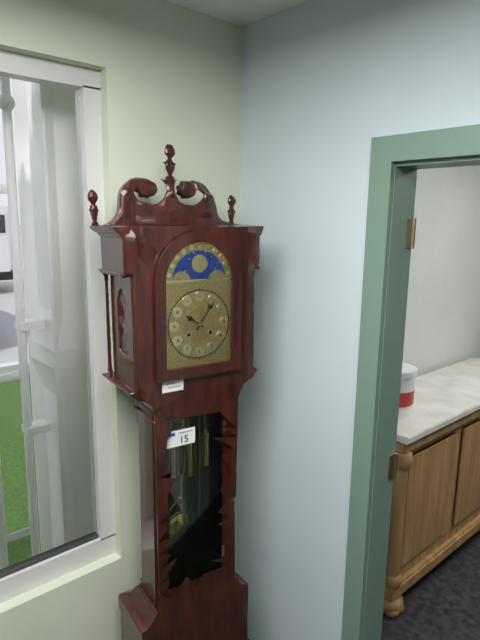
10:06
